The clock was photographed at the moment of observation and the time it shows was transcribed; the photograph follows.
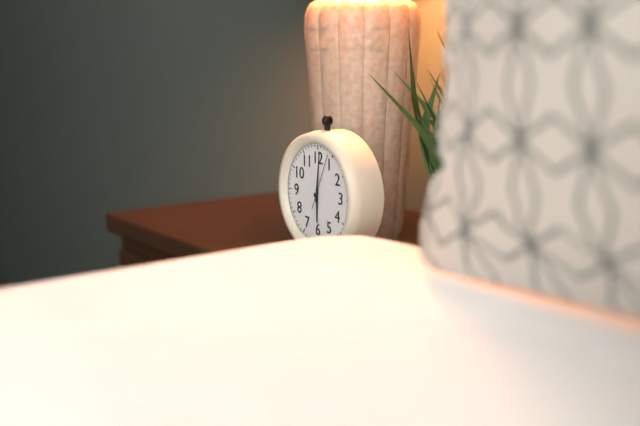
6:01
